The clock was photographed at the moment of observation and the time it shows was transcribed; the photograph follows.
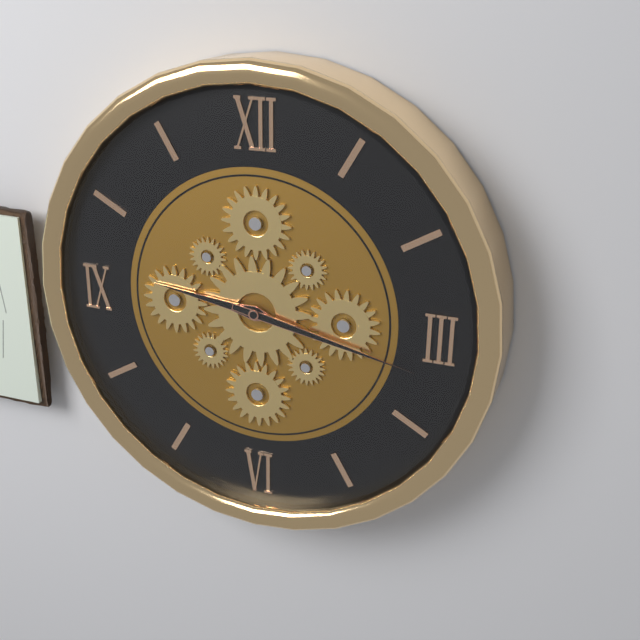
9:17
